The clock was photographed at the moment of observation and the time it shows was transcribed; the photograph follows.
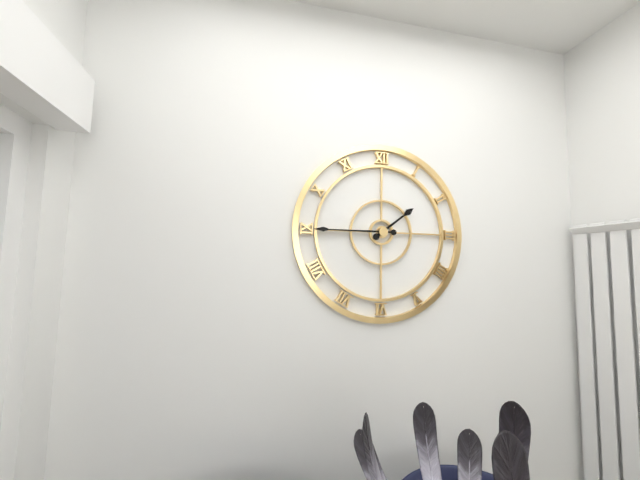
1:45
